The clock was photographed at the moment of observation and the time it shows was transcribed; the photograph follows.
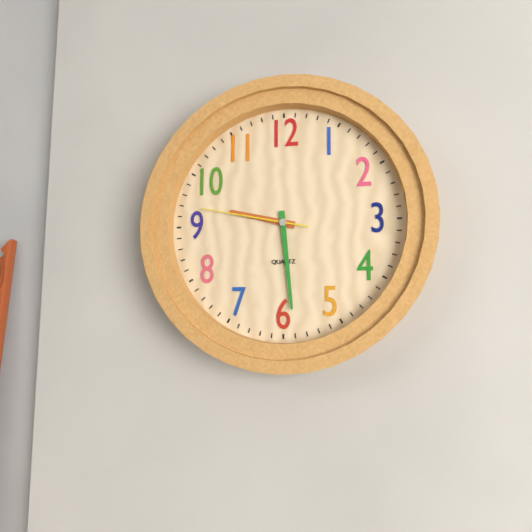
9:29:47
